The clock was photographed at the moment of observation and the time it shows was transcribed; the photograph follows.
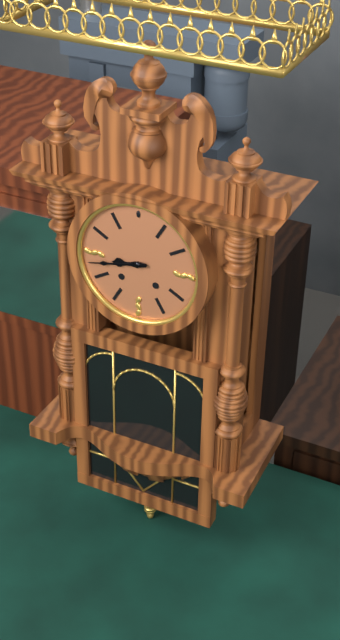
8:43
